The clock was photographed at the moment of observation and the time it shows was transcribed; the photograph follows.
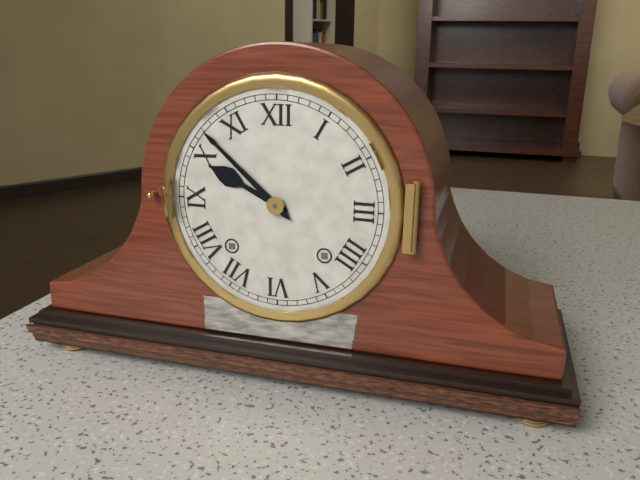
9:52
